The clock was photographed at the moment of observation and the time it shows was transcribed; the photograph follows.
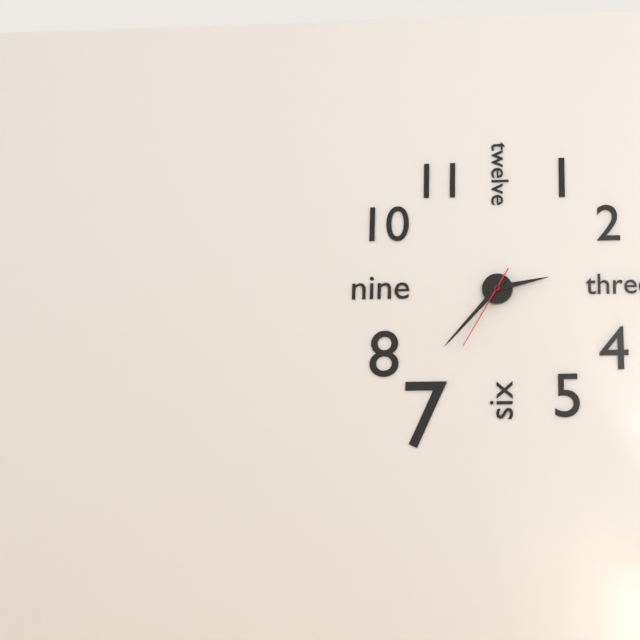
2:37:35
